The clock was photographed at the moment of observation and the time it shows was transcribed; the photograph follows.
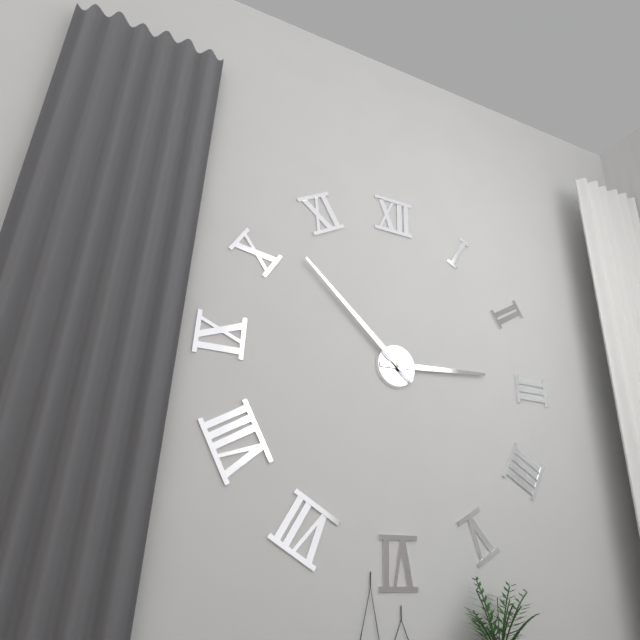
2:52
